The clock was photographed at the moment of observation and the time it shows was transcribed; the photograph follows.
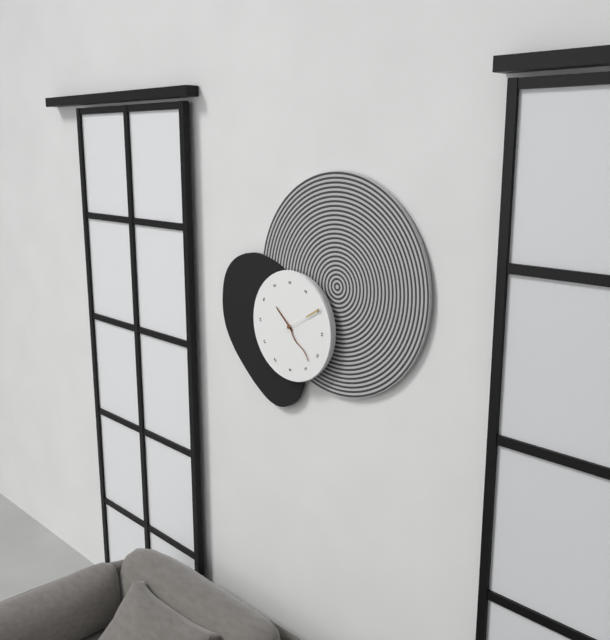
10:23
